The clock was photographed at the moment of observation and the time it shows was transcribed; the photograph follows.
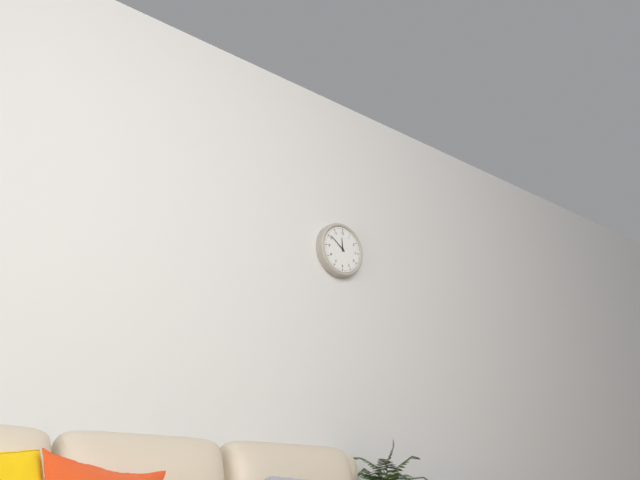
11:51
